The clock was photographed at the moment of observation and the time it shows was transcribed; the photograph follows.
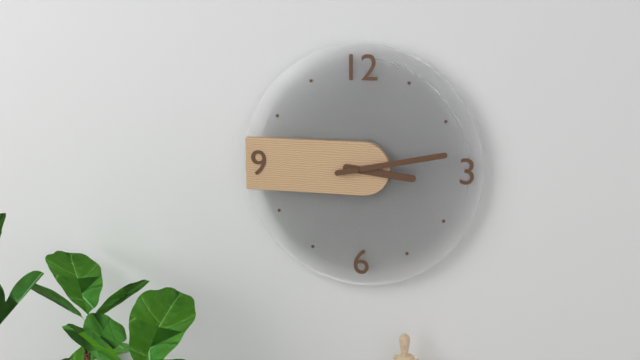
3:13
